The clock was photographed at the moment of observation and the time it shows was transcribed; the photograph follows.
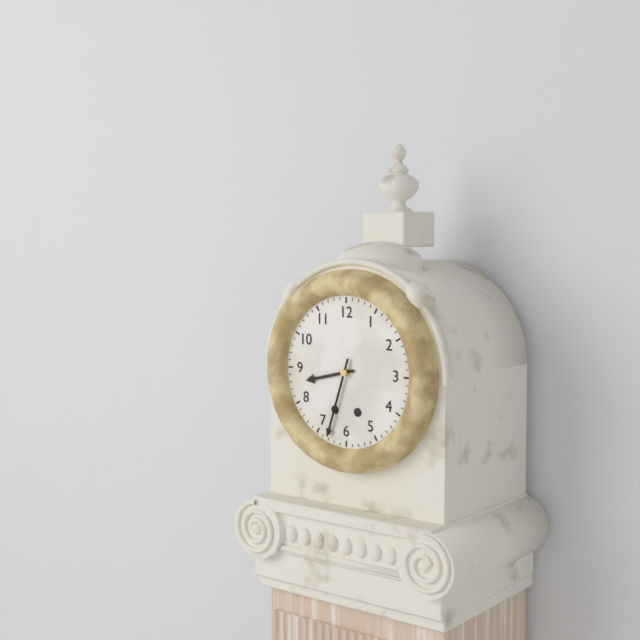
8:33
